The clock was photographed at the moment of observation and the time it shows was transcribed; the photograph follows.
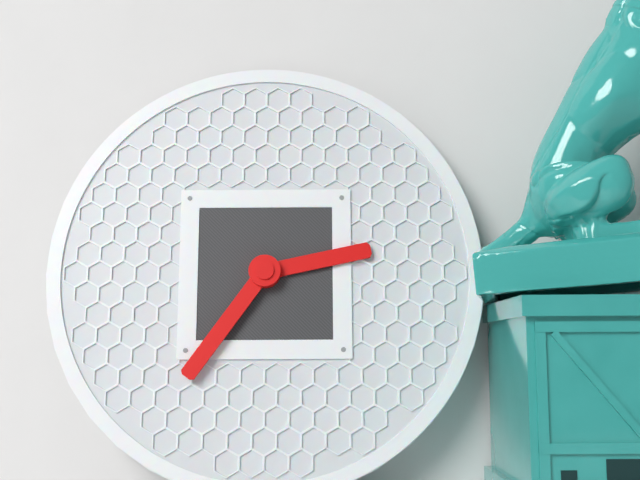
2:36
